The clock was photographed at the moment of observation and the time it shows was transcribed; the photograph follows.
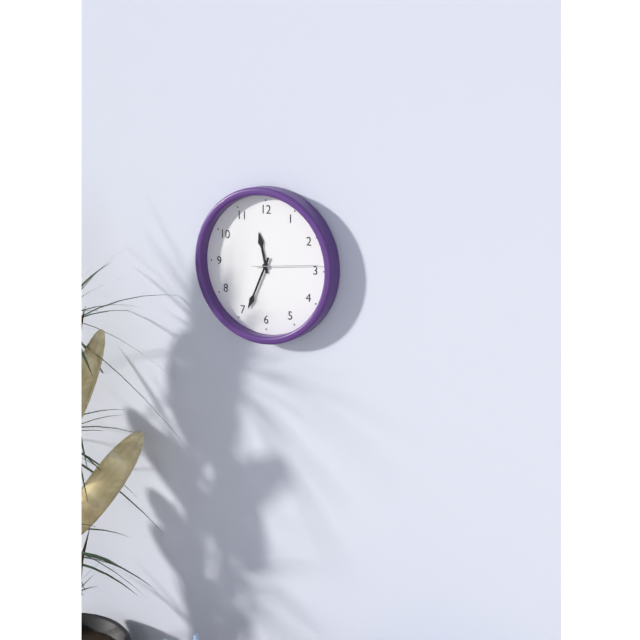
11:34:14
